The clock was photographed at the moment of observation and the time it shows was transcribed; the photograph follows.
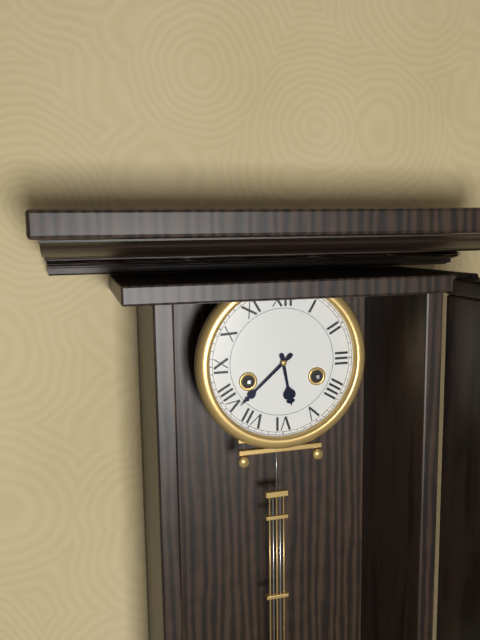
5:38
